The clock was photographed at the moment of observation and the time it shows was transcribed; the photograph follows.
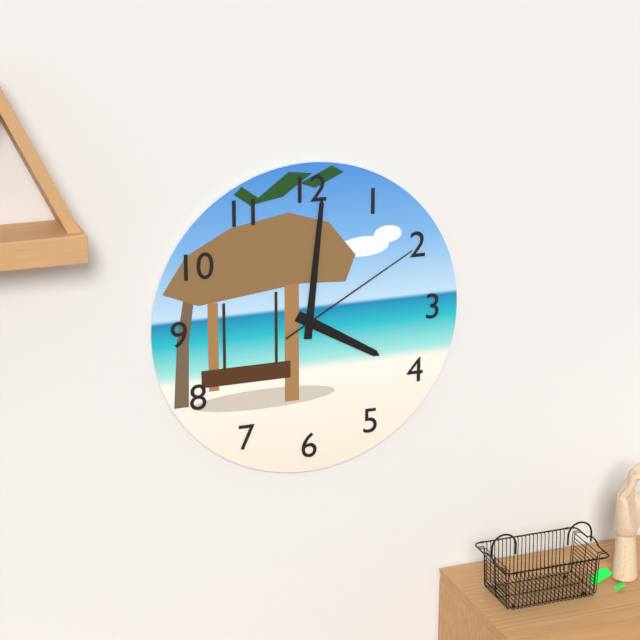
4:01:10
